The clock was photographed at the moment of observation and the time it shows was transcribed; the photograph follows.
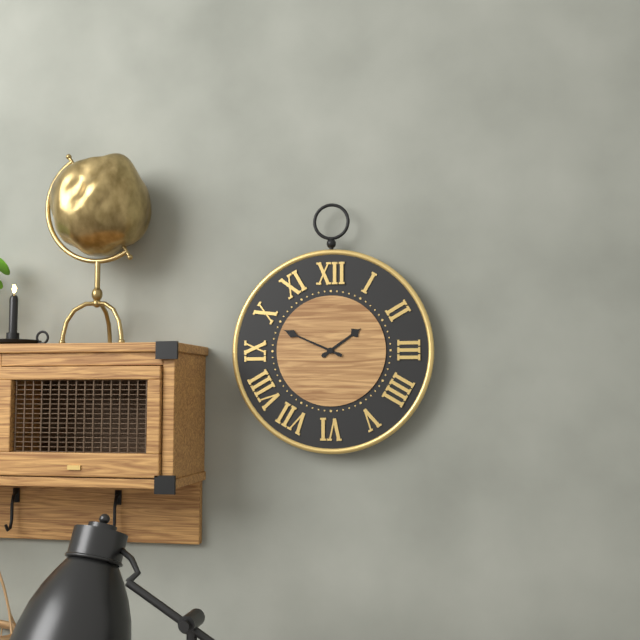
1:49
